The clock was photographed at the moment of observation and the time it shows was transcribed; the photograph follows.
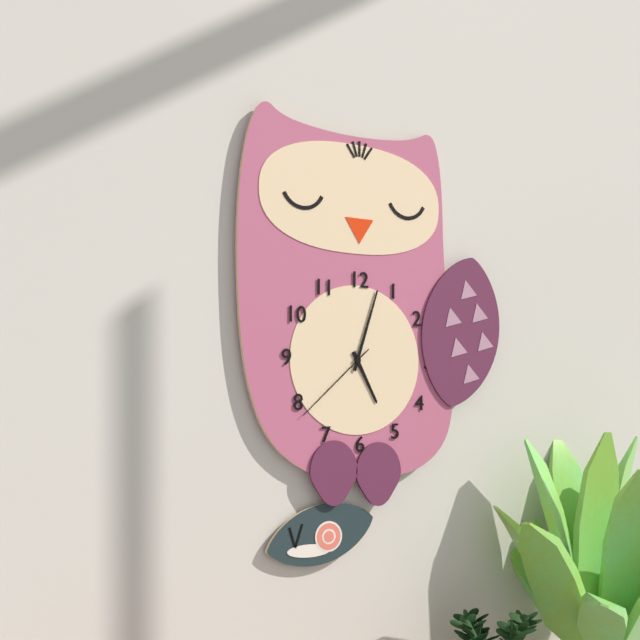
5:03:38
